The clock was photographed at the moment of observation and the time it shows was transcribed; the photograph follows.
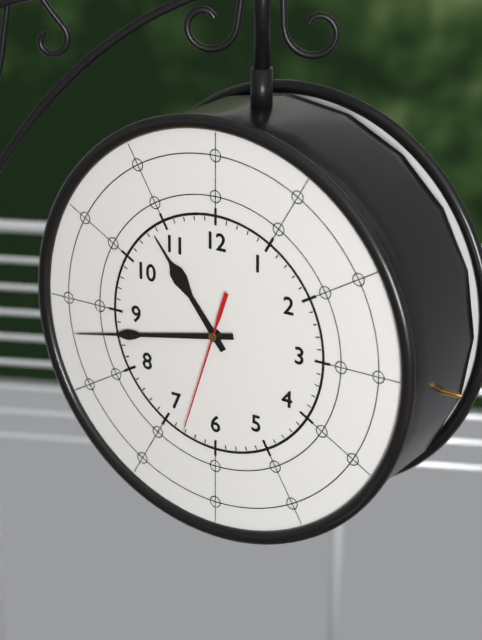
10:43:33
